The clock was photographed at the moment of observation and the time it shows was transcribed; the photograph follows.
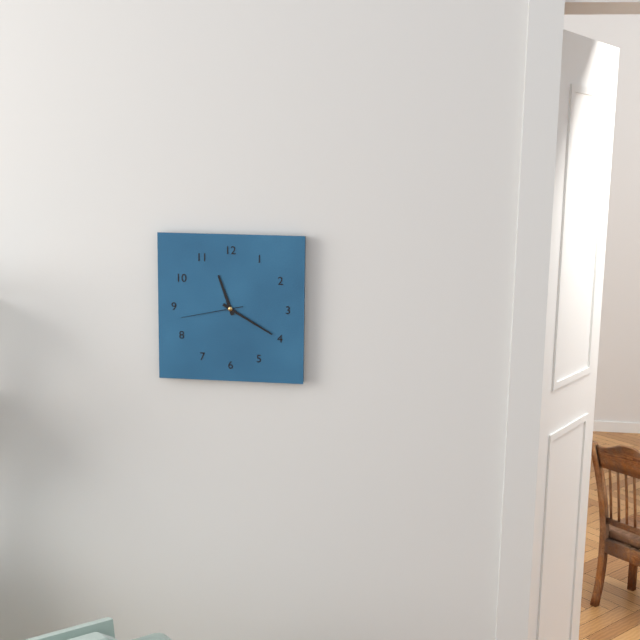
11:20:43
